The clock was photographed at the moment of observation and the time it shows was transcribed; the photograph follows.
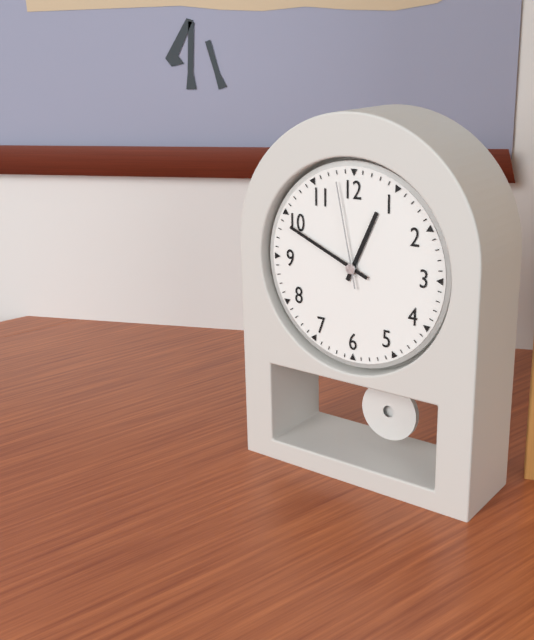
12:49:58
